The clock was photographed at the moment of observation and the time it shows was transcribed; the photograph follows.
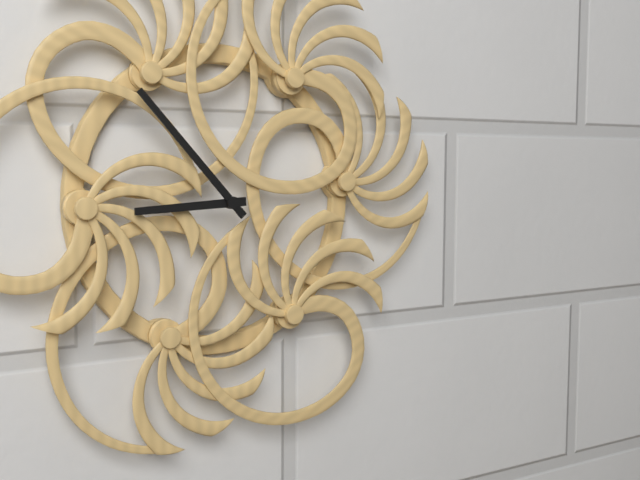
8:53
